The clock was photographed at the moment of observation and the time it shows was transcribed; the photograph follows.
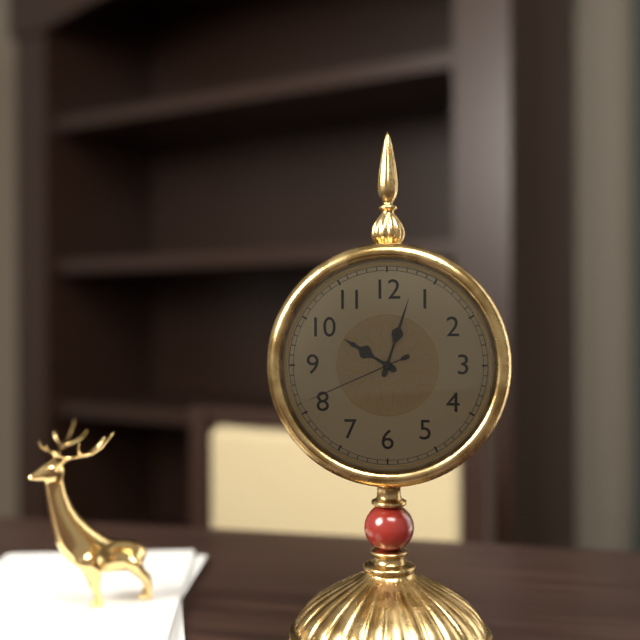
10:03:41
